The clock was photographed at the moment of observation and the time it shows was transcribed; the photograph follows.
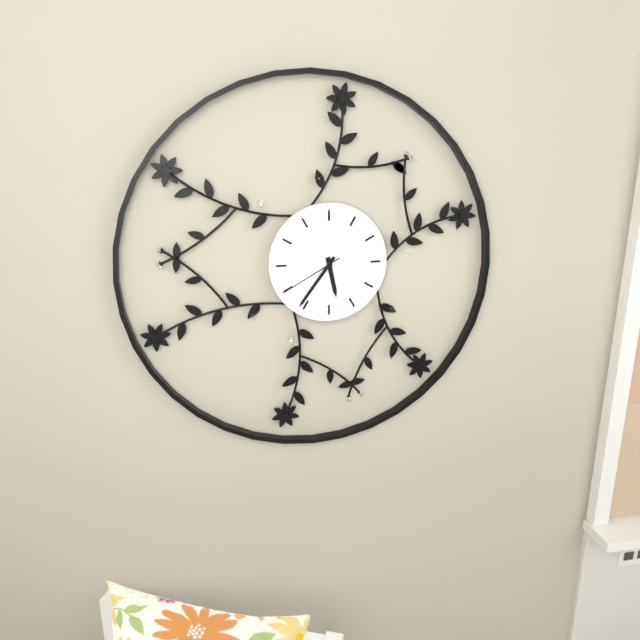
5:36:40
